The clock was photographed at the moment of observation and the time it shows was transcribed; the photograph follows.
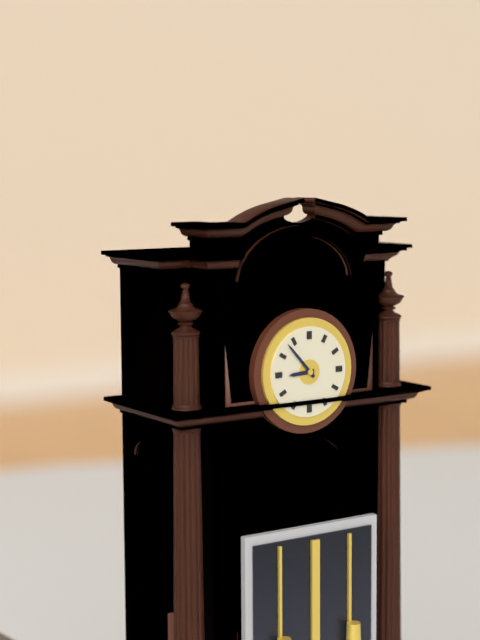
8:53
